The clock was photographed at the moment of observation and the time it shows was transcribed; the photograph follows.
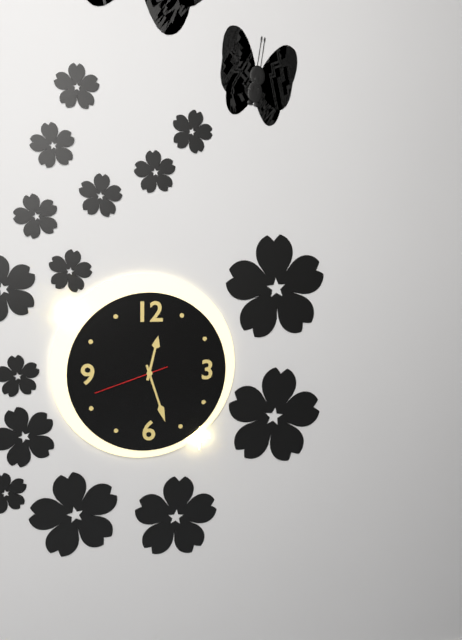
12:27:42
